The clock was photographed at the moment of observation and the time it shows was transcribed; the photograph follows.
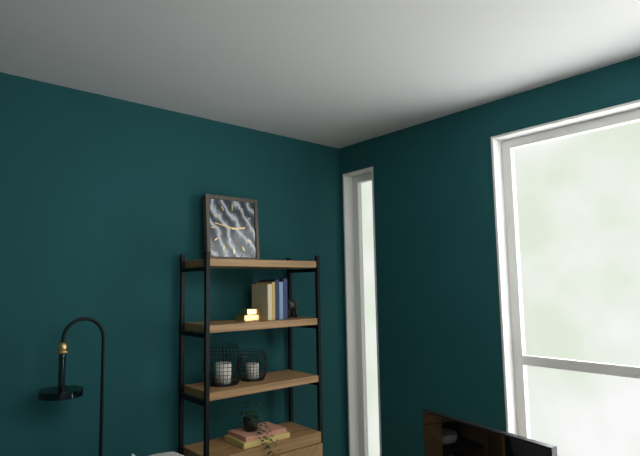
2:47
